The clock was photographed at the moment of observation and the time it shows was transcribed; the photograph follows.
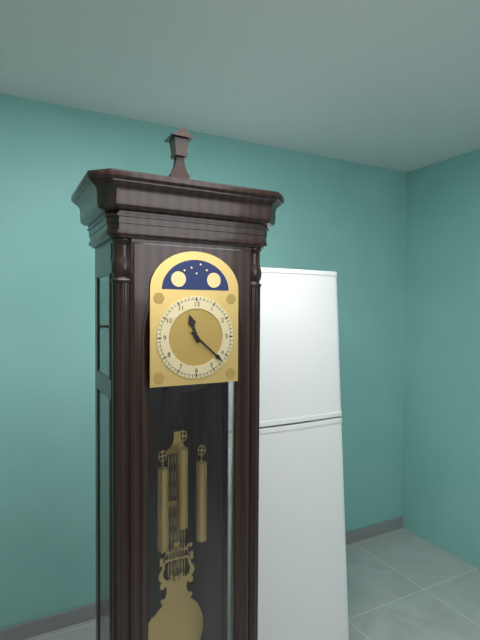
11:22
